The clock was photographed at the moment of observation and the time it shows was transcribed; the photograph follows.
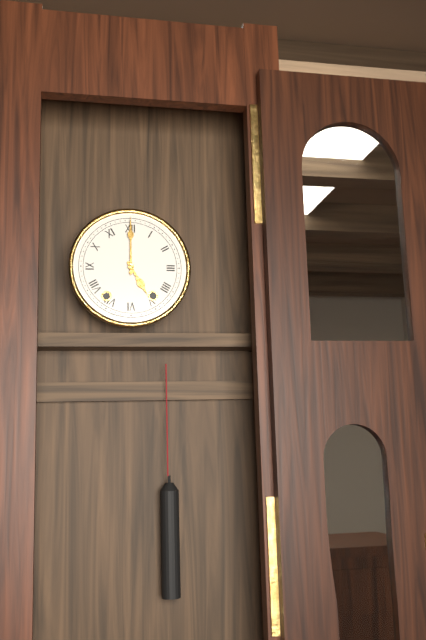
5:00
